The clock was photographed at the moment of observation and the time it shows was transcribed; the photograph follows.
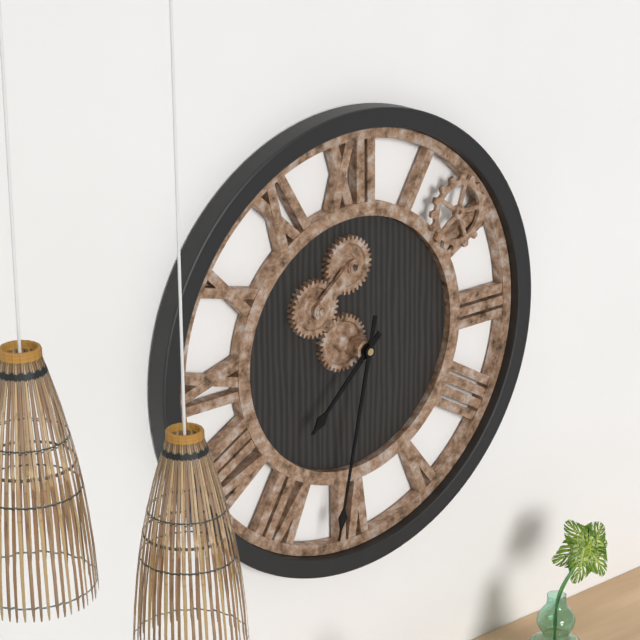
7:32
